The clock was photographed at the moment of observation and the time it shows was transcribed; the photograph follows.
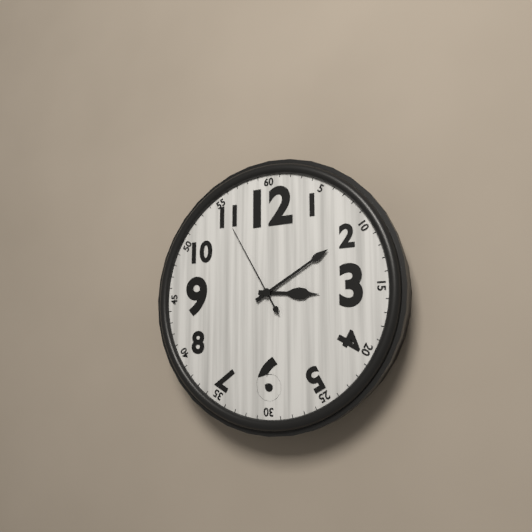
3:10:55
